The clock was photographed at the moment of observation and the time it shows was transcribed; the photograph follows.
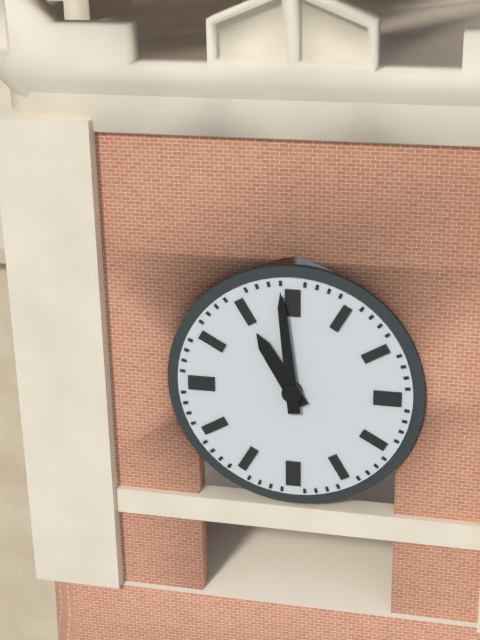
10:59
